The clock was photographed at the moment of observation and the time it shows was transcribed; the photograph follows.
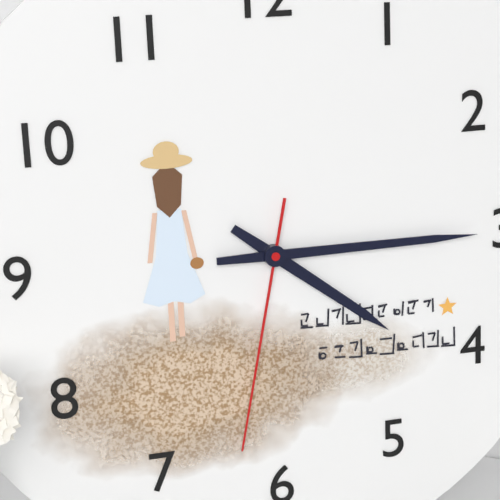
4:15:32
